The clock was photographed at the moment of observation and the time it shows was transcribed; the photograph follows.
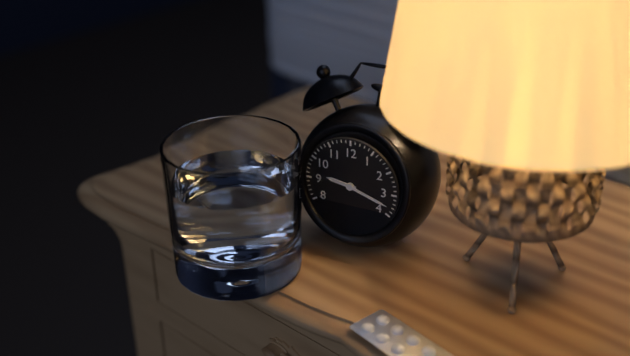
9:18
